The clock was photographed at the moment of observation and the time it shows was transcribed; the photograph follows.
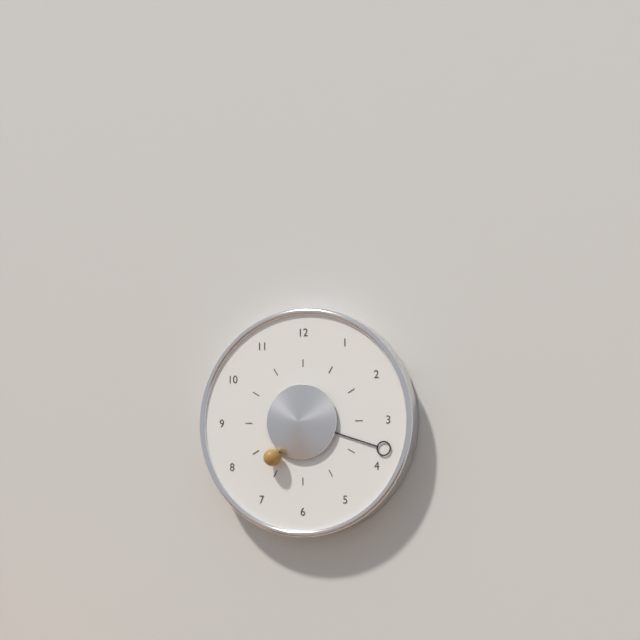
7:18
